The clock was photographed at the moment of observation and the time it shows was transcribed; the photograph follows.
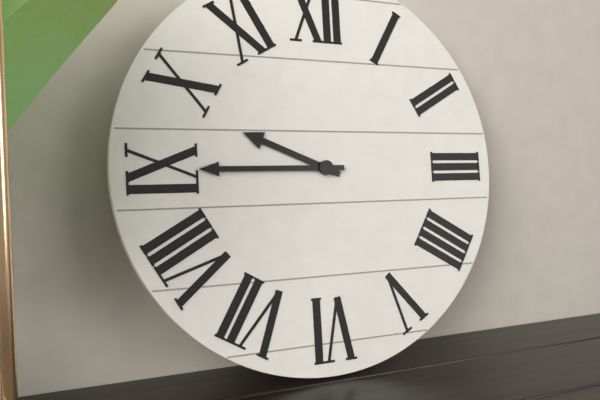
9:45
